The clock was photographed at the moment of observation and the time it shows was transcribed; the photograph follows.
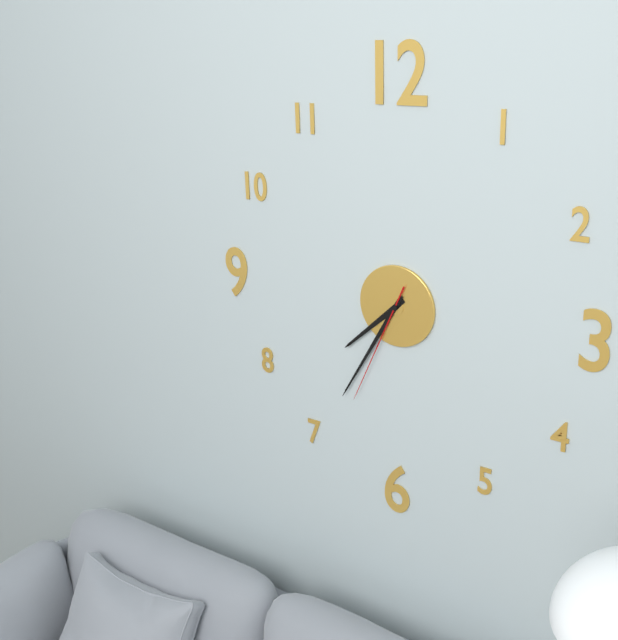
7:35:34
